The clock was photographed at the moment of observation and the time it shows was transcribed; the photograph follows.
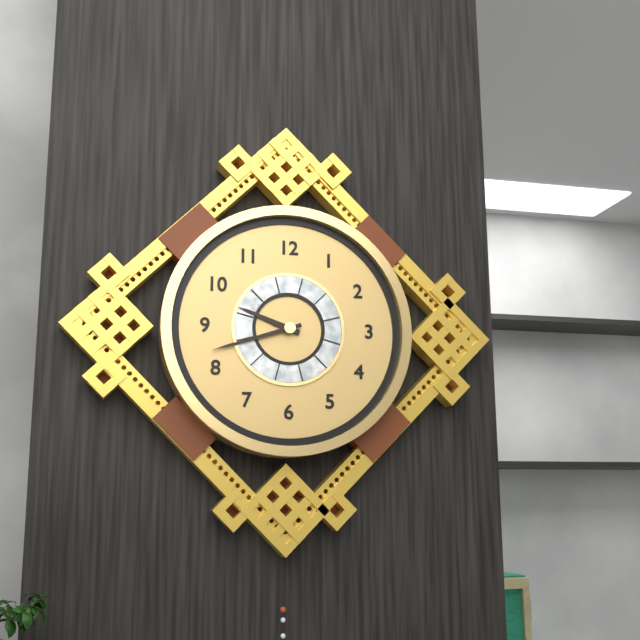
9:42
